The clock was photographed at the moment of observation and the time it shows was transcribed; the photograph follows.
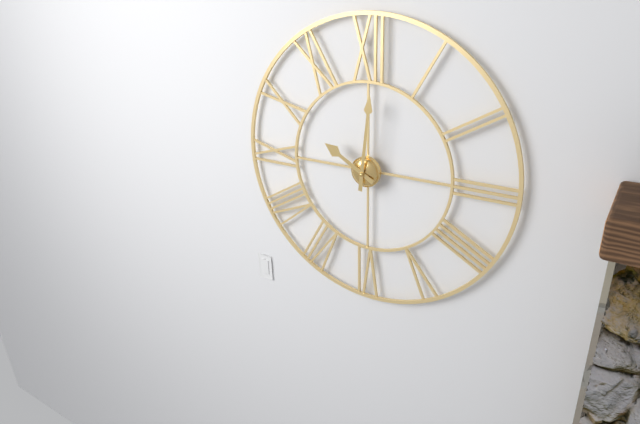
10:01
